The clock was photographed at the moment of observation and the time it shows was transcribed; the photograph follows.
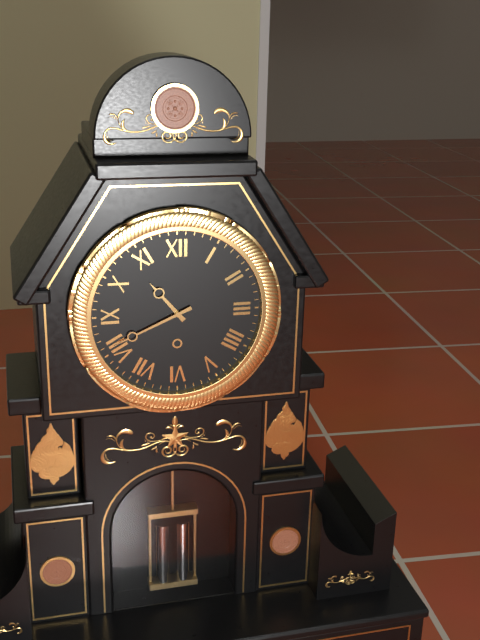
10:41
